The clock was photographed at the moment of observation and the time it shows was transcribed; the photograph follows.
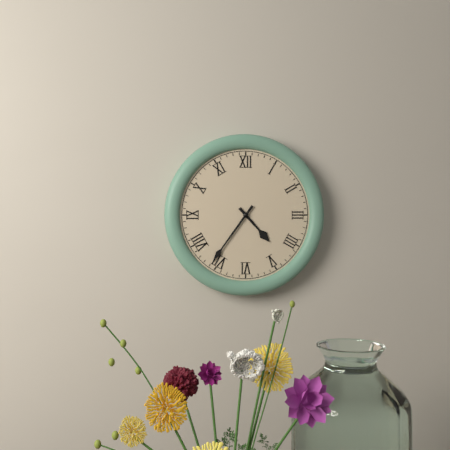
4:36
